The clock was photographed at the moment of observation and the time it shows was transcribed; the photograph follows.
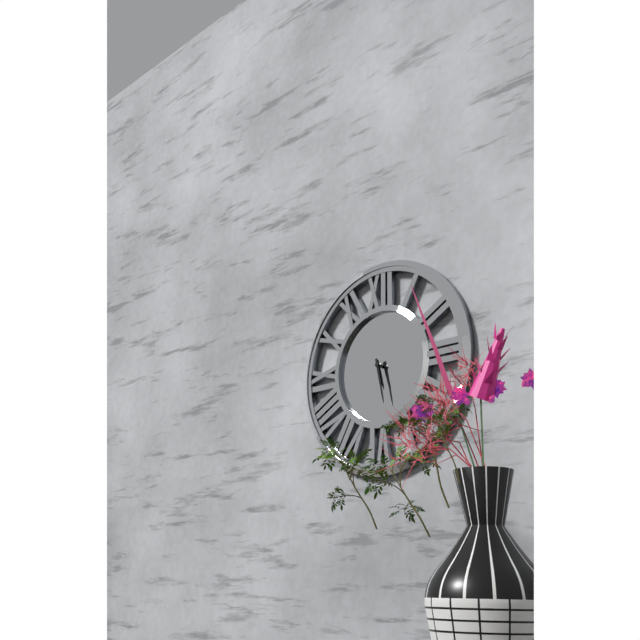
5:28
